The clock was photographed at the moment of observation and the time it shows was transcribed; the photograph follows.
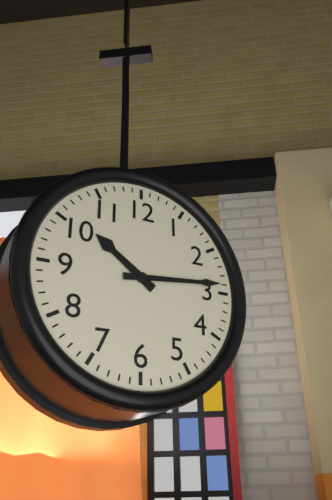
10:14
